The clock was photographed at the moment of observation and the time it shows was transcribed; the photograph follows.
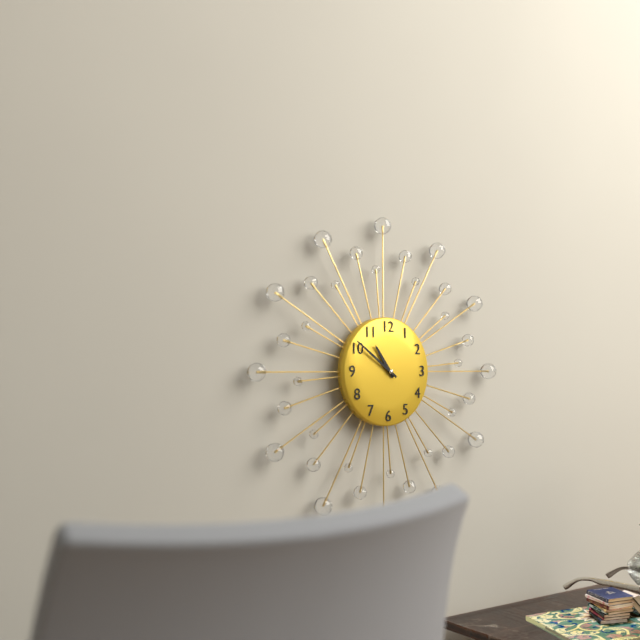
10:51
